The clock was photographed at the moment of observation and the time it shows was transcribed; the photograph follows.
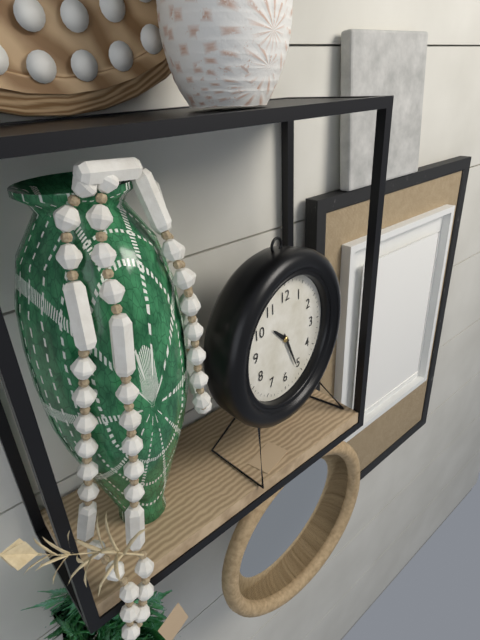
10:26
